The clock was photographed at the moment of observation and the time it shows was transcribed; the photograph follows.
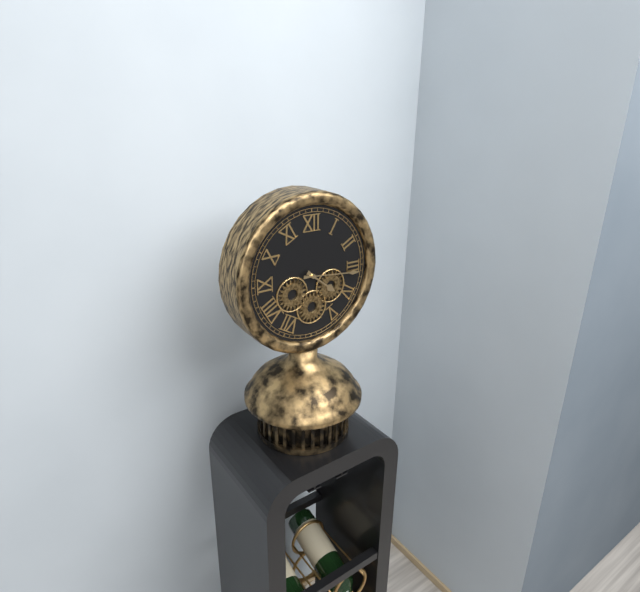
4:16
